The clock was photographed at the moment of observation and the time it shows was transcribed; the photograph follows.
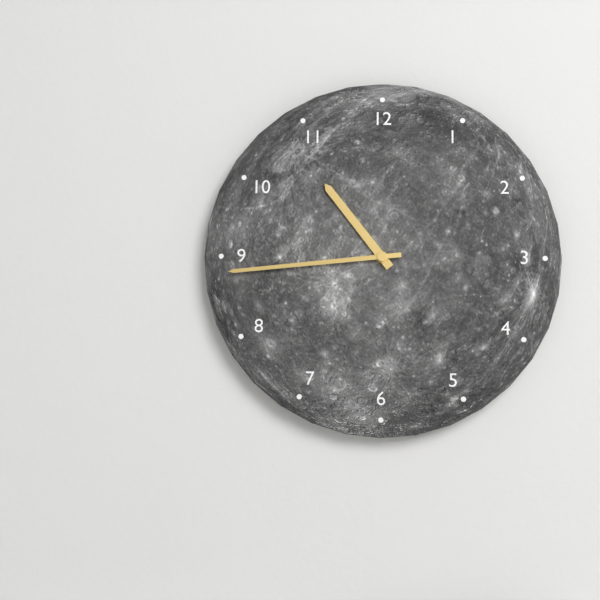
10:44
